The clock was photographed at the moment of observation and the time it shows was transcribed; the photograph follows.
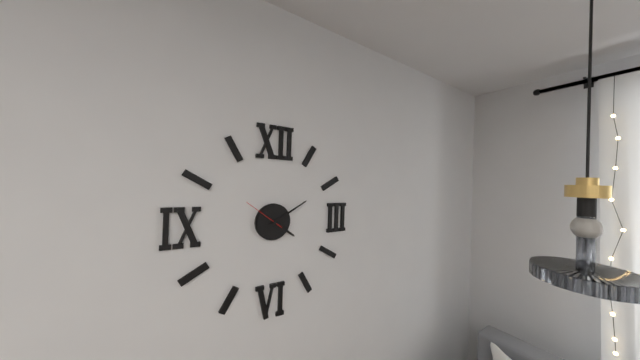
4:10
